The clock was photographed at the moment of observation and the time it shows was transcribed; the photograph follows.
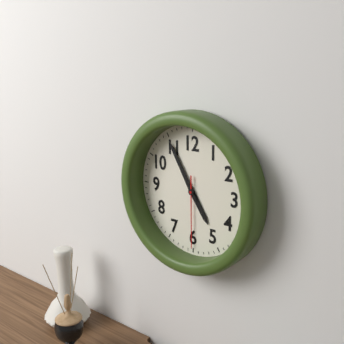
4:55:30
